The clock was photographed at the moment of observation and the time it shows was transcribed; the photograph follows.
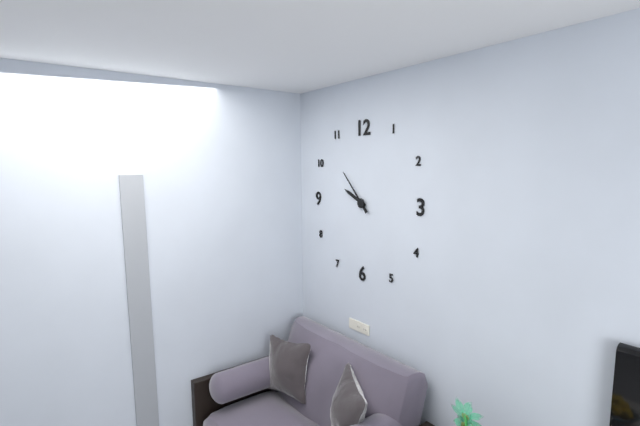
9:53
